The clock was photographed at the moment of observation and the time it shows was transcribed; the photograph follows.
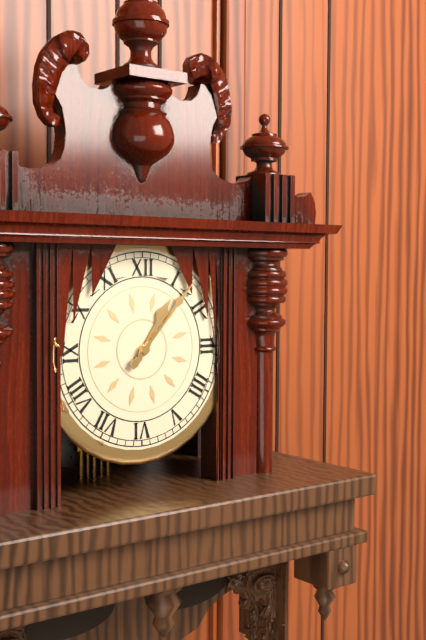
1:07
